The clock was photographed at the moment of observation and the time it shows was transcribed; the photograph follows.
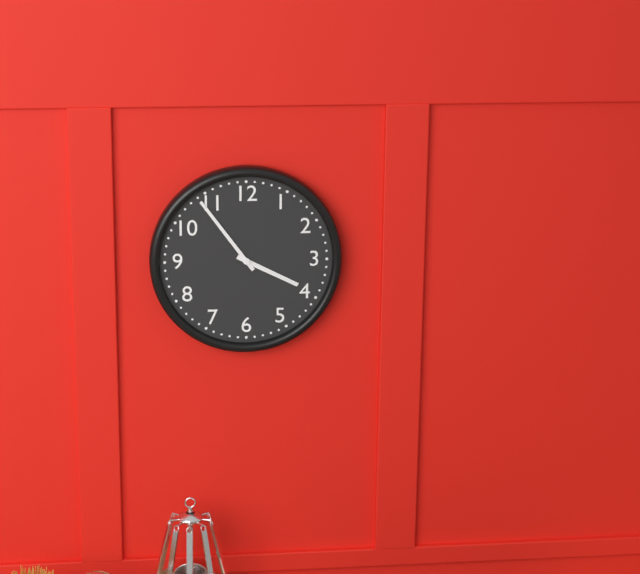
3:54
